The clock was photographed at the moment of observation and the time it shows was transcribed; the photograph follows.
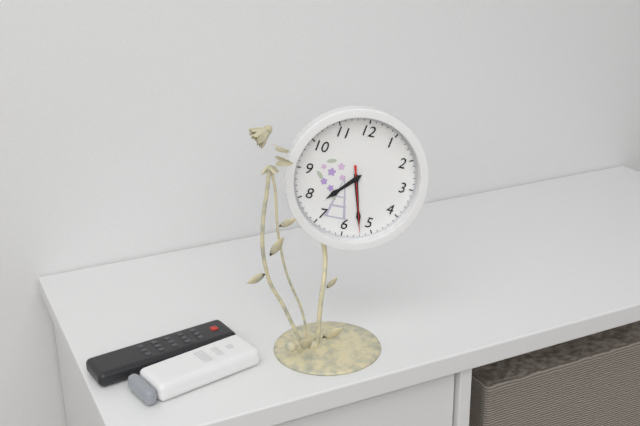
7:27:27
